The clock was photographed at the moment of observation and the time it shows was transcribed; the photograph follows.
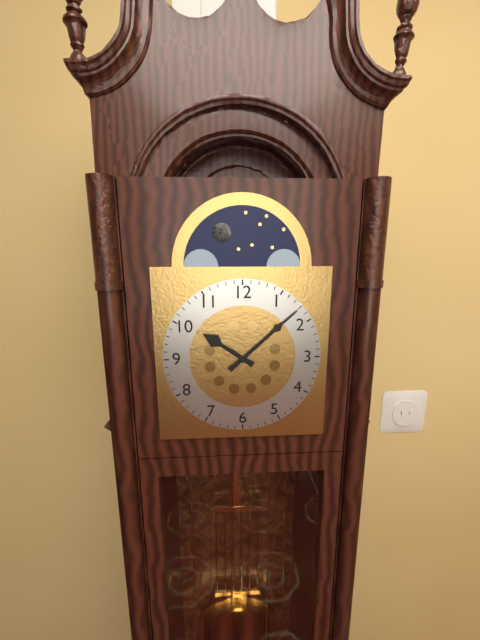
10:08
